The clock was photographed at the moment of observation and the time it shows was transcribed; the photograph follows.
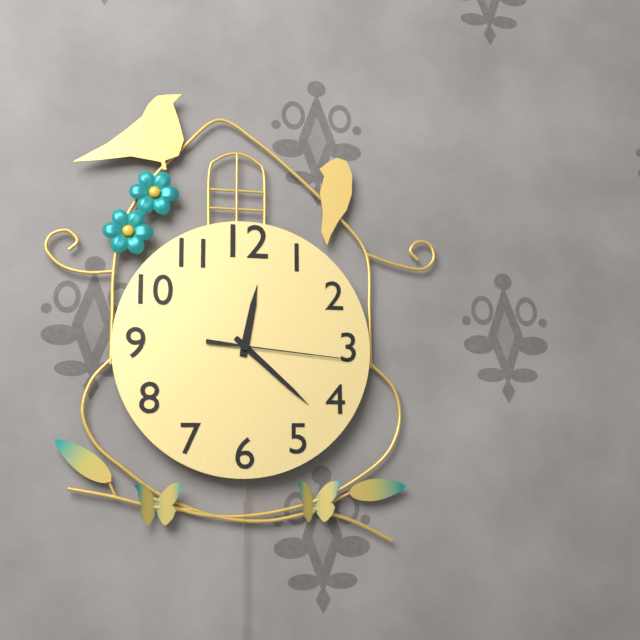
12:22:16
